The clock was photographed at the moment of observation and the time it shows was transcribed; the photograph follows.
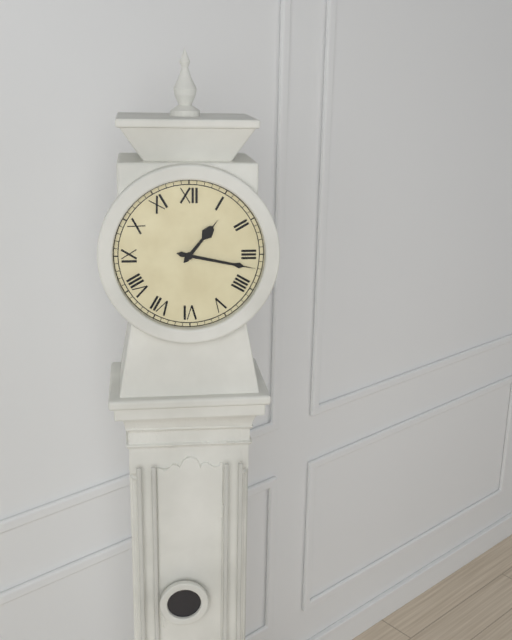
1:17
